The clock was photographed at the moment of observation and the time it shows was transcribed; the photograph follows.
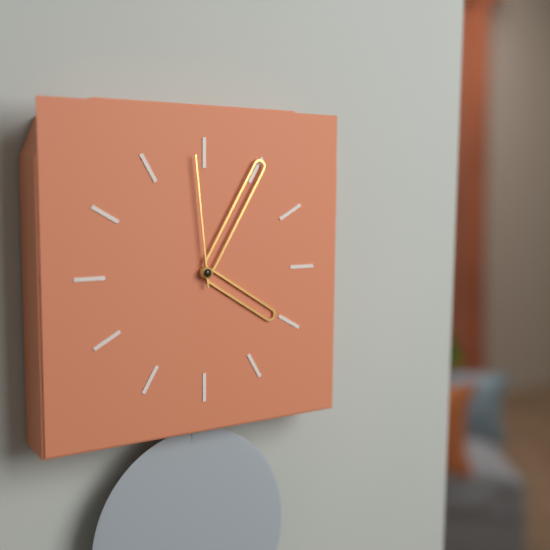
4:05:59
